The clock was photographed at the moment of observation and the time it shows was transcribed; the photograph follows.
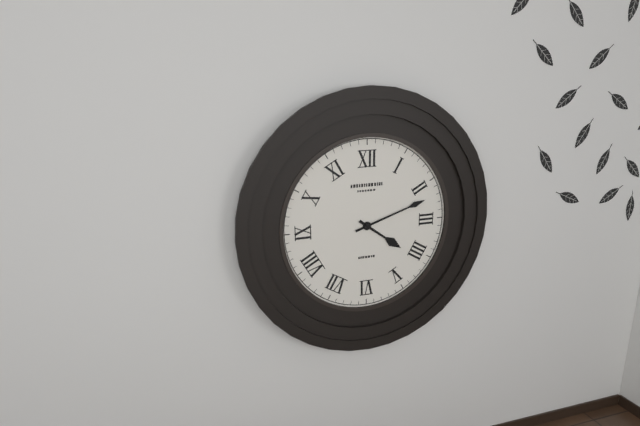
4:12
